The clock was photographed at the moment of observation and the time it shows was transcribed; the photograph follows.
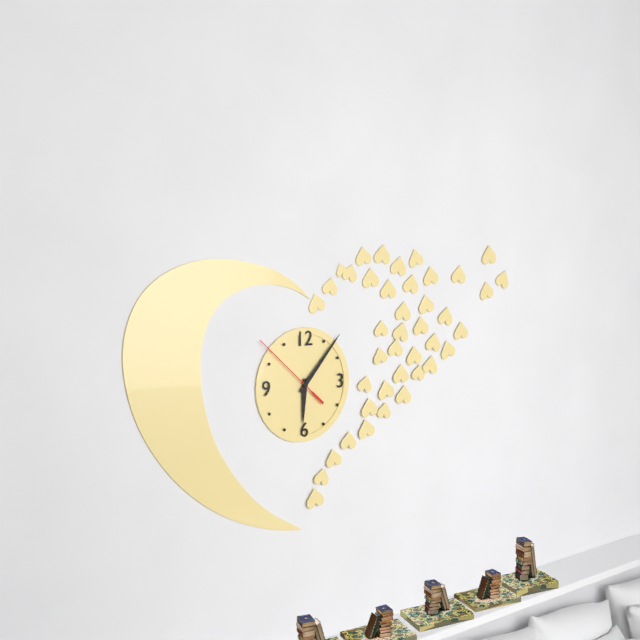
6:07:52
